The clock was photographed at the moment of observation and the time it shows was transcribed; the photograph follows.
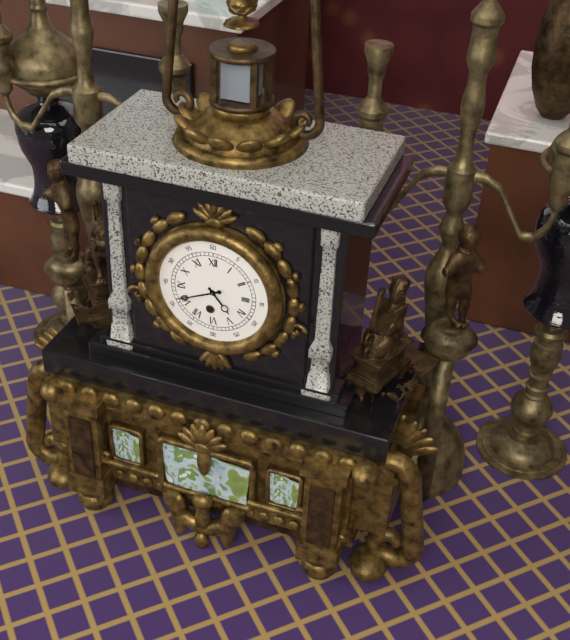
4:41
